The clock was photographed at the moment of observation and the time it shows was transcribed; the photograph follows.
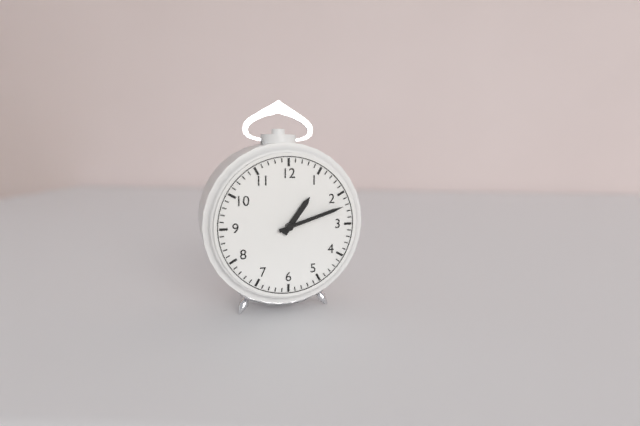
1:12
